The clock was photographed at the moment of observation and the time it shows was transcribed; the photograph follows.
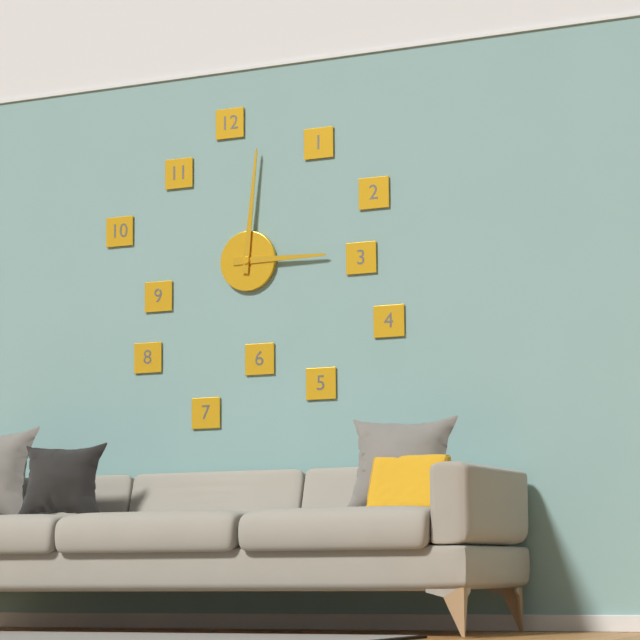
3:01
